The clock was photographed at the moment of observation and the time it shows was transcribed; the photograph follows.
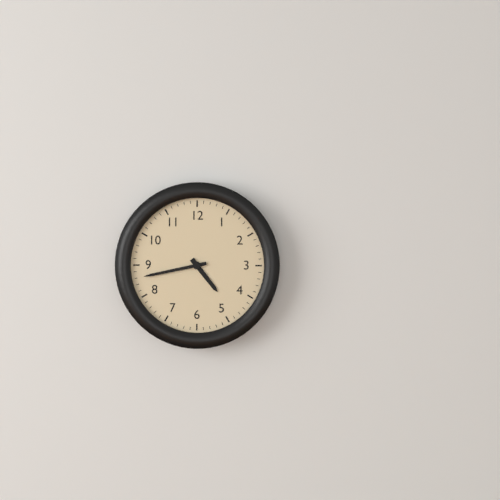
4:43
